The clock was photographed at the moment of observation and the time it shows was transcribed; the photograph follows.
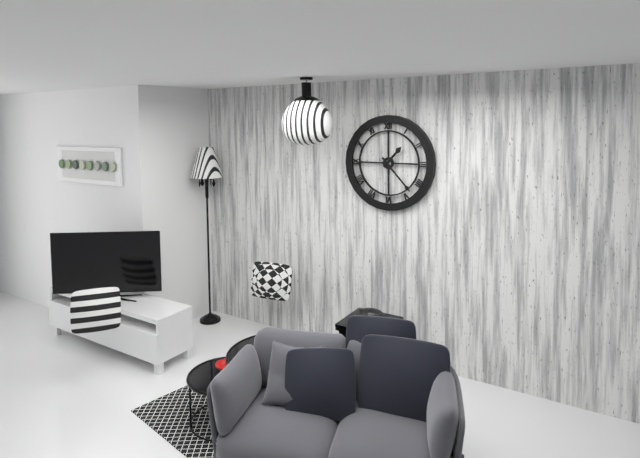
1:23
